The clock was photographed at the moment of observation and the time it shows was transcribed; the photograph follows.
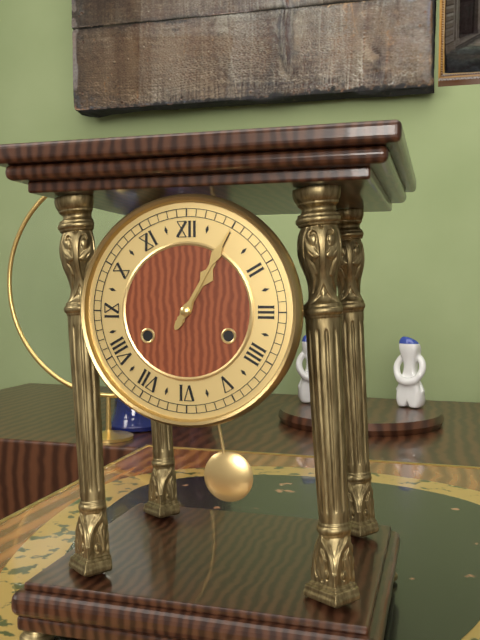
1:05
